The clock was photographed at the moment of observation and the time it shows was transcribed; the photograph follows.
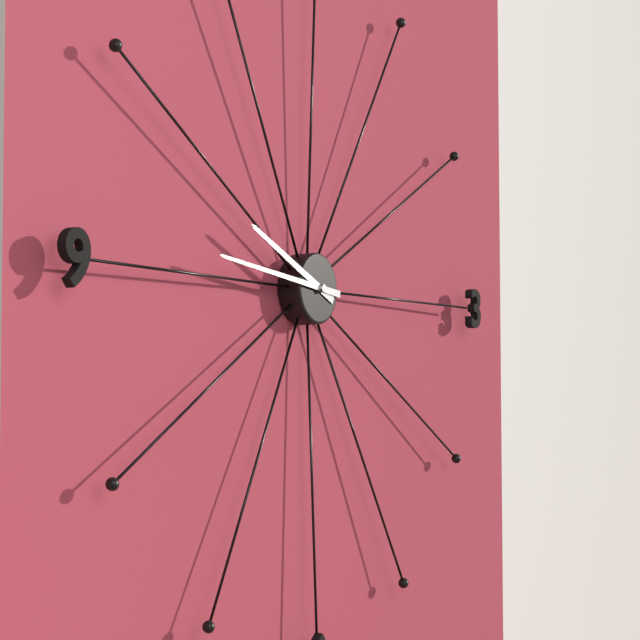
9:46
